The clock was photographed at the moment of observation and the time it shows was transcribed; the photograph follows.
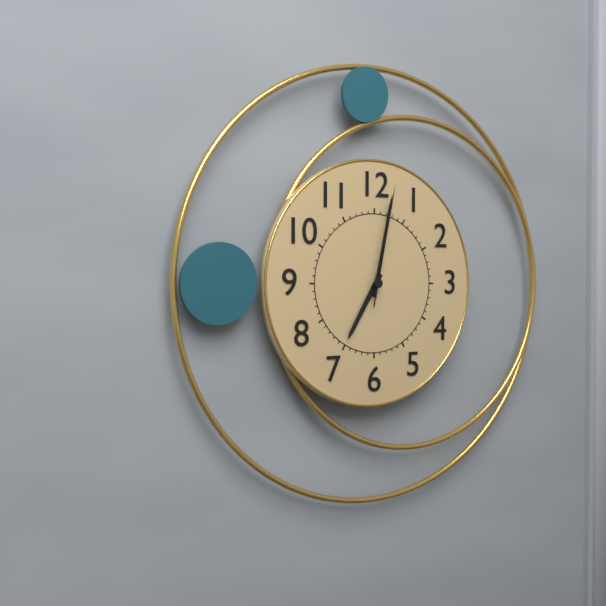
7:02:02
